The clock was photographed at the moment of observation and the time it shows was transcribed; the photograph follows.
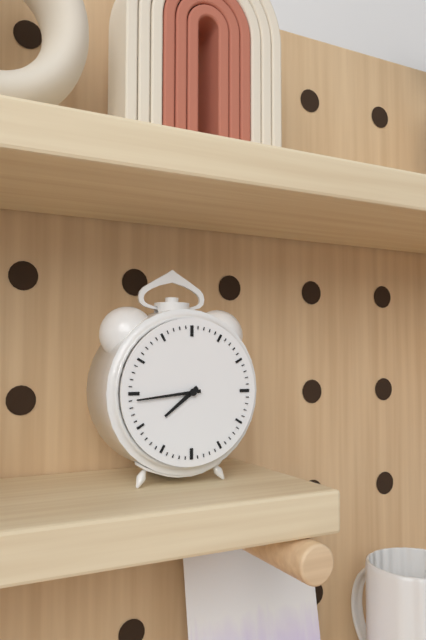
7:44
